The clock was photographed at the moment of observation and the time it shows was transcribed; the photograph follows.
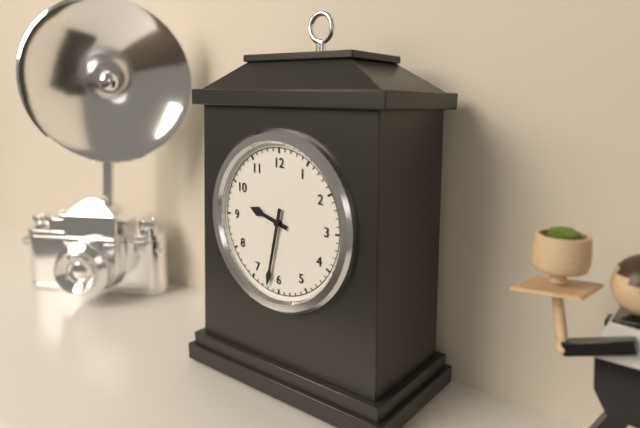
9:32
